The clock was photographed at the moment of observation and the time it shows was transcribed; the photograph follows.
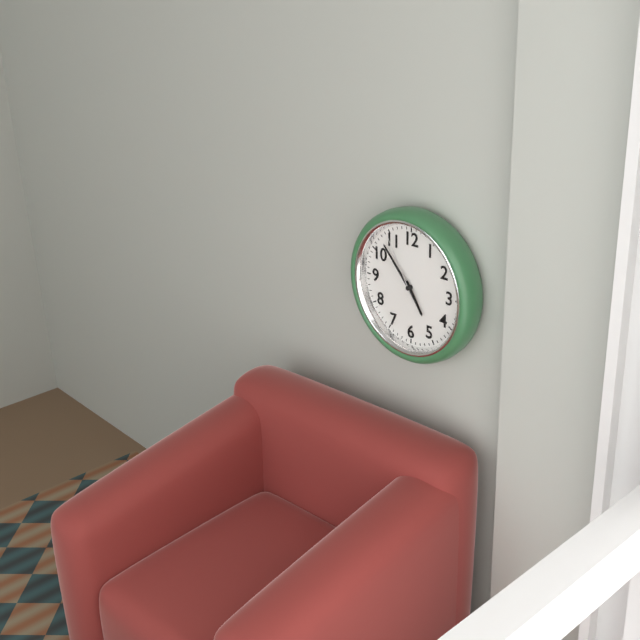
4:53:55
